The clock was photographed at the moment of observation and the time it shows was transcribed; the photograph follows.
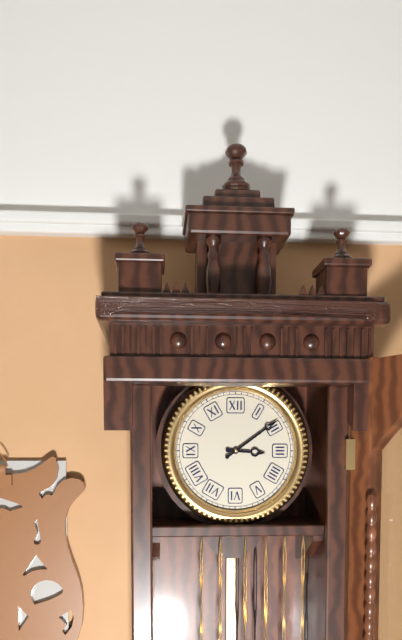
3:09
